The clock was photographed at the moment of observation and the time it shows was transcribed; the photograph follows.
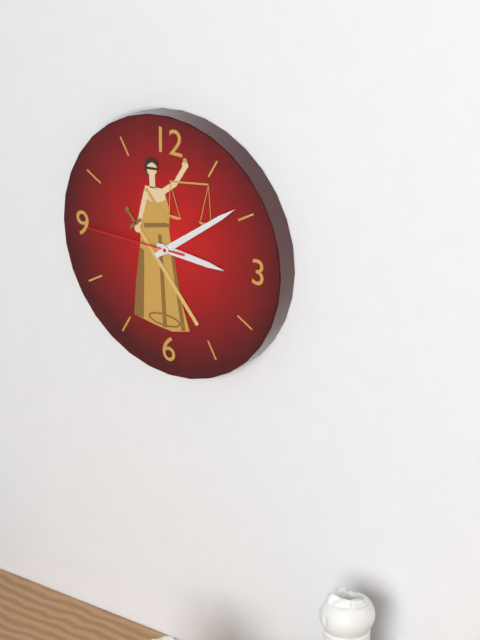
3:09:45
